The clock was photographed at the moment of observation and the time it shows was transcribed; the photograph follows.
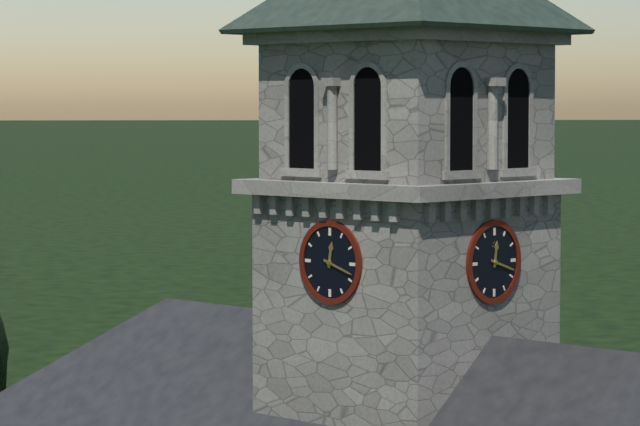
12:18
